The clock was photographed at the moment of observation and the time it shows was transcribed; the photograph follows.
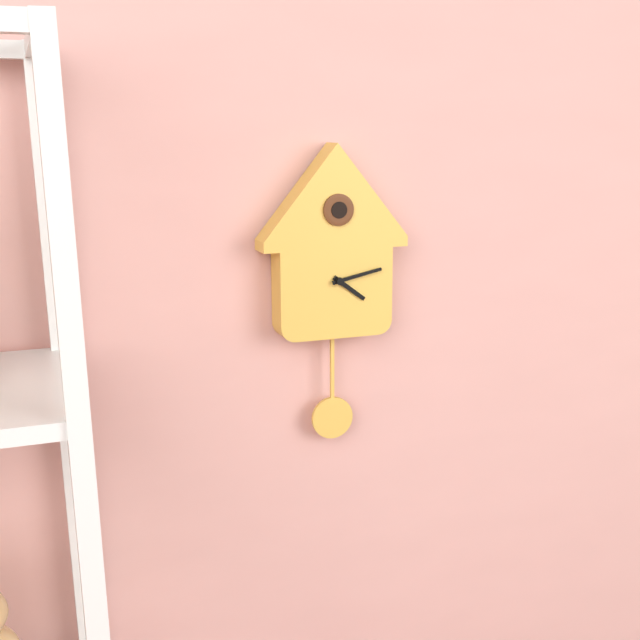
4:13
